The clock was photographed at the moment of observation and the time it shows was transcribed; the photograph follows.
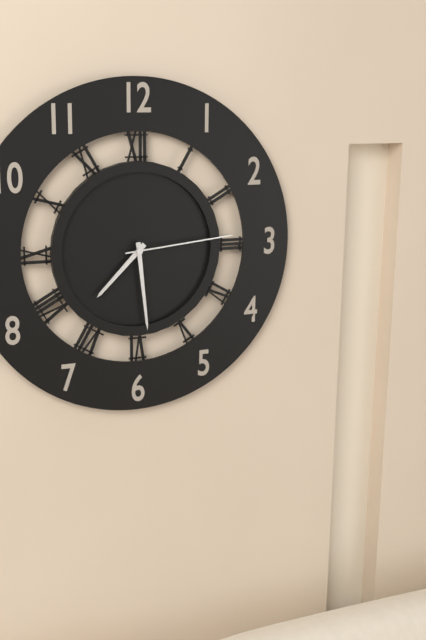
7:29:14
